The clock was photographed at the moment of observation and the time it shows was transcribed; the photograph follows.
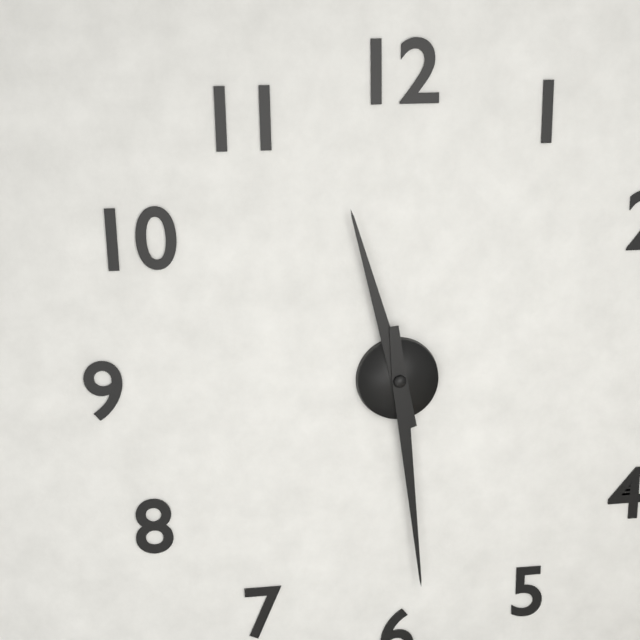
11:29
